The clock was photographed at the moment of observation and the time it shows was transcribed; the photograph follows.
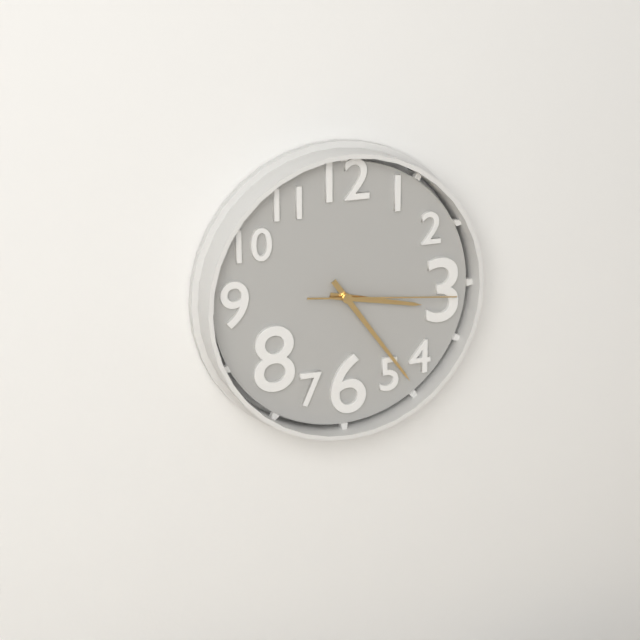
3:24:16
